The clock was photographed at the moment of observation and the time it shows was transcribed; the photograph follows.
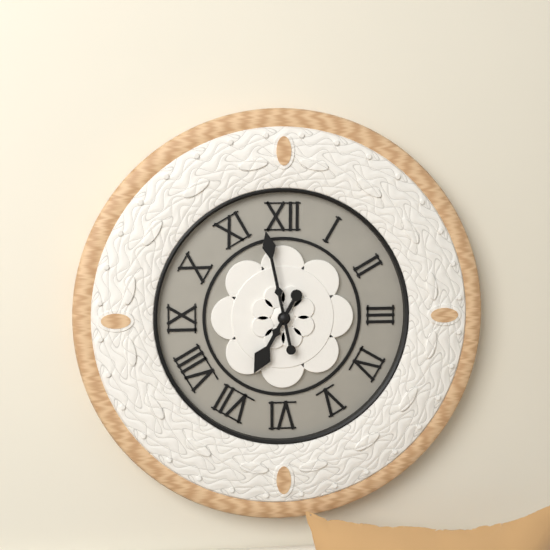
6:58
